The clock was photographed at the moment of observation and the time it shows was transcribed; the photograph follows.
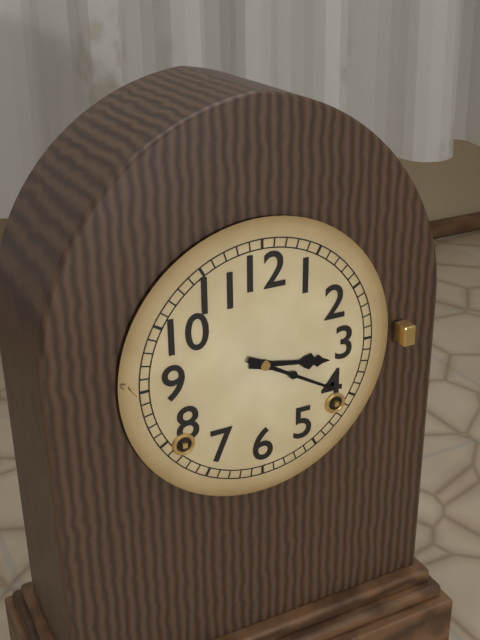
3:20
